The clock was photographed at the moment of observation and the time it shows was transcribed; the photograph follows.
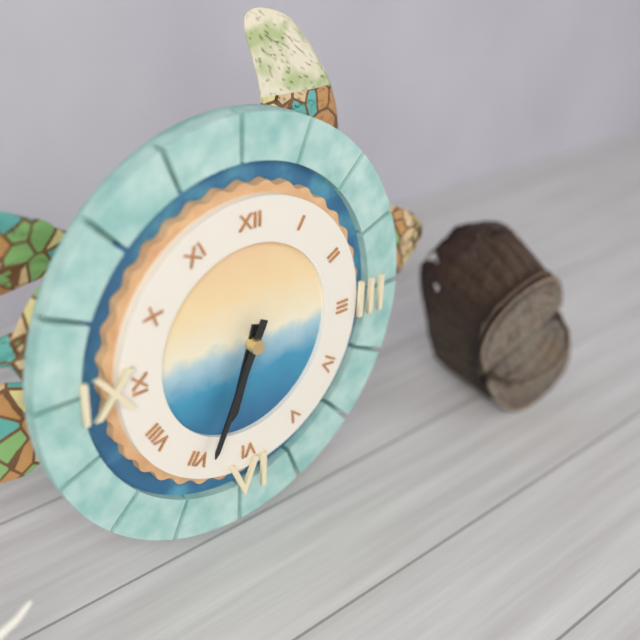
6:34
